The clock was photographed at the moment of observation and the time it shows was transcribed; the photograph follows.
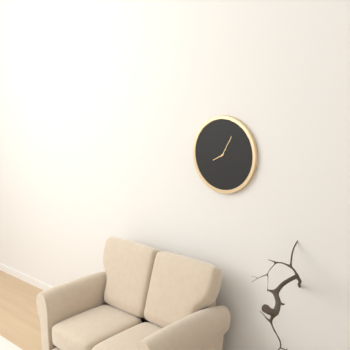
8:05
